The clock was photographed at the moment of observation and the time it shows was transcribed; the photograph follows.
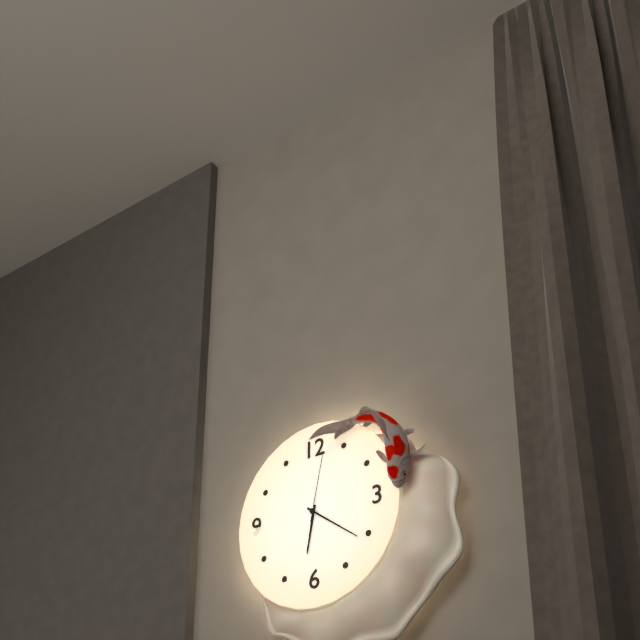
6:21:02
